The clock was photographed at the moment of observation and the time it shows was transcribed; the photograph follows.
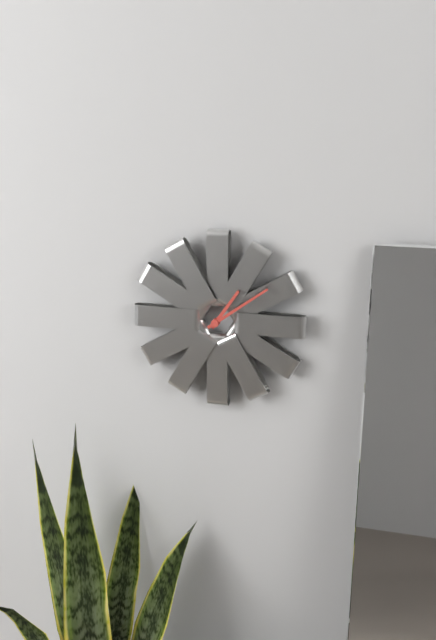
1:09
